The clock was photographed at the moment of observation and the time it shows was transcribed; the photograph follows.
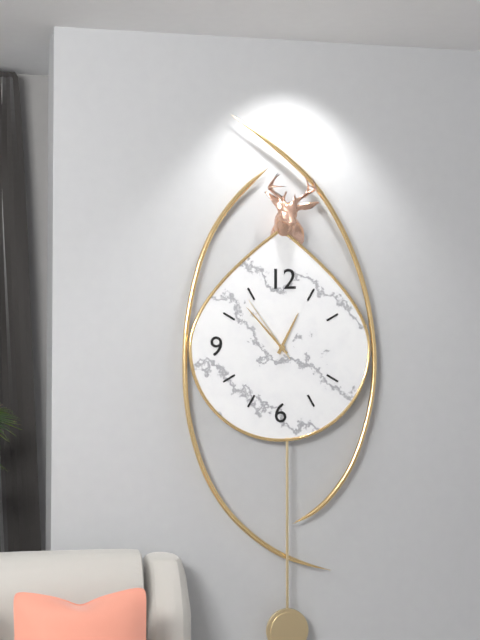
12:53:54
